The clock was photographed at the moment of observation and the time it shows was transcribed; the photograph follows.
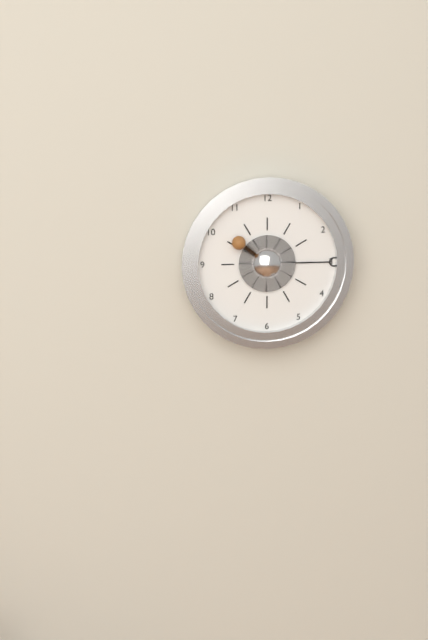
10:15
